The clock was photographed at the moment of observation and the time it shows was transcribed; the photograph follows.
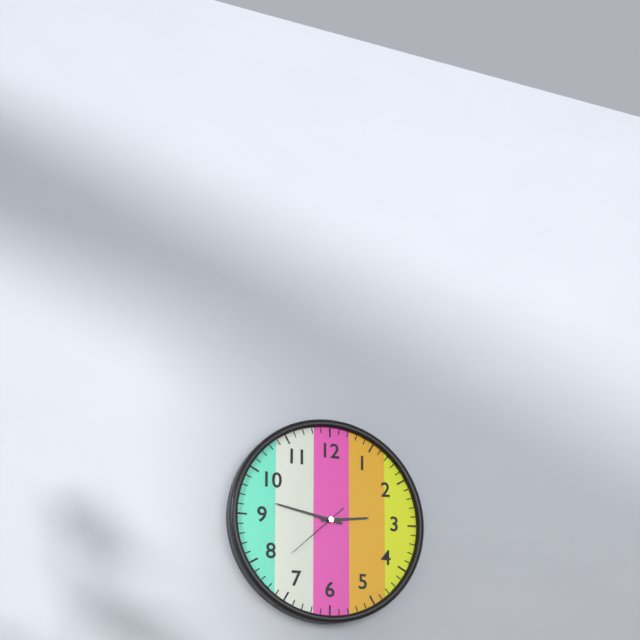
2:47:38
